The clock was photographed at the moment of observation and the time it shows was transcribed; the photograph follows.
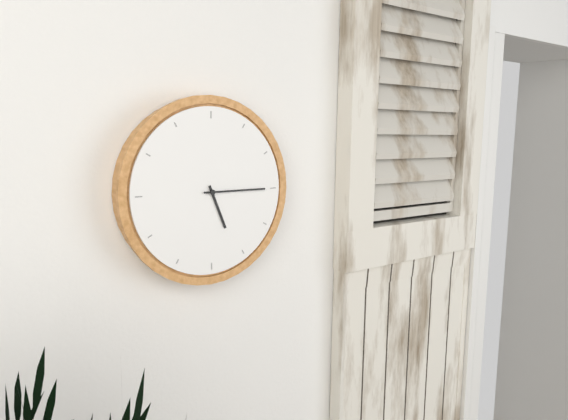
5:15
